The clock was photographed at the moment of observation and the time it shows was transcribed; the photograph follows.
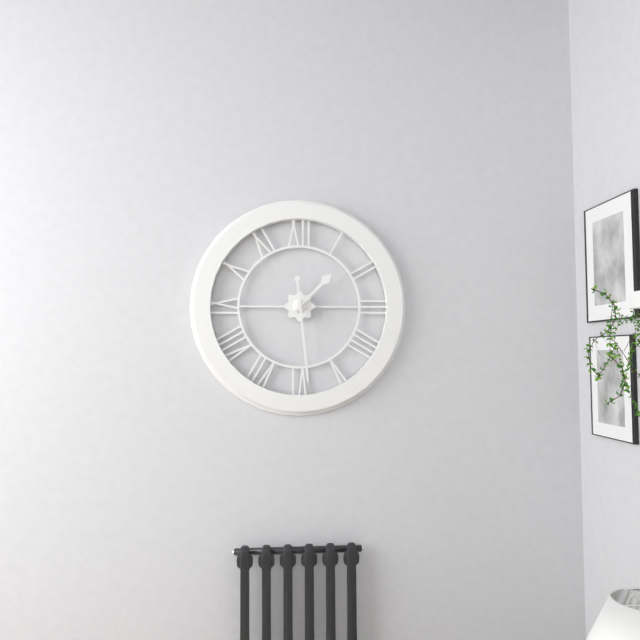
1:29
